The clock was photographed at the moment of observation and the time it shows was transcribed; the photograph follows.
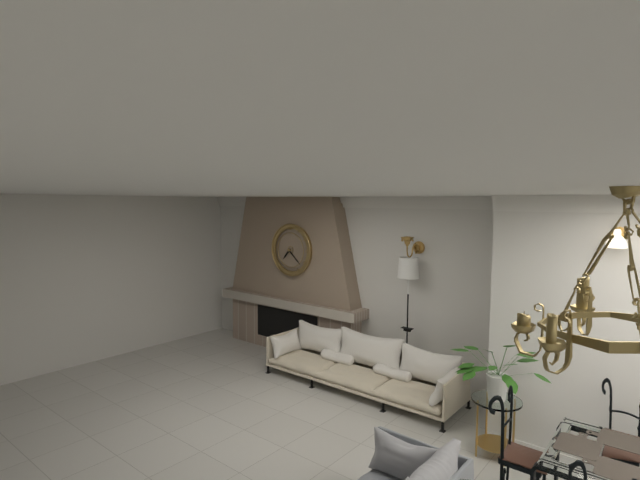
7:22
